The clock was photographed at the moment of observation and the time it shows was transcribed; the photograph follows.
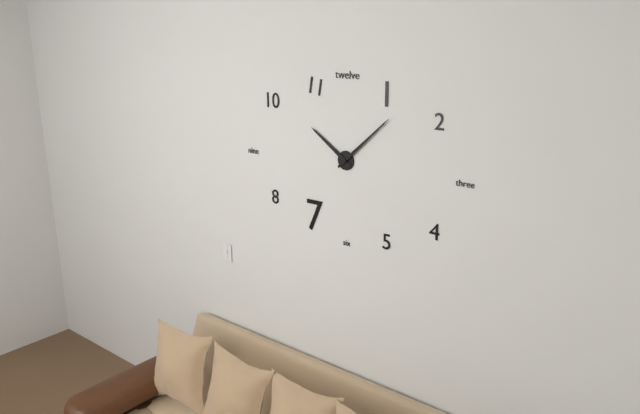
10:08
